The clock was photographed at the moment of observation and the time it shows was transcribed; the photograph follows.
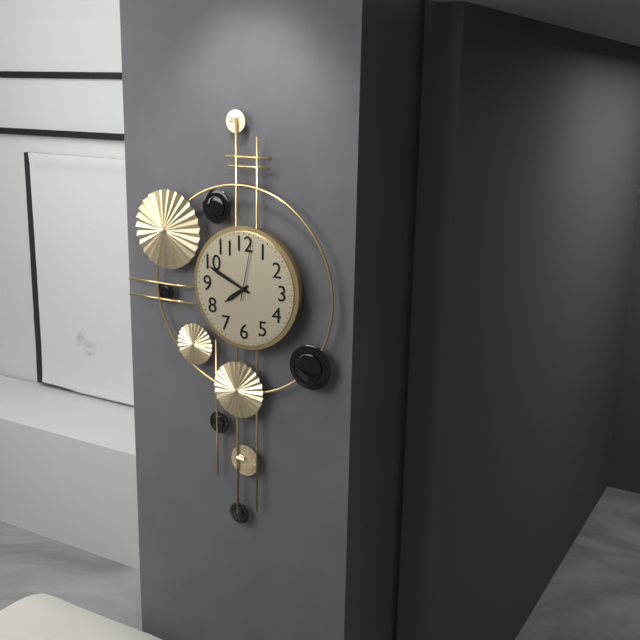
7:49:02
